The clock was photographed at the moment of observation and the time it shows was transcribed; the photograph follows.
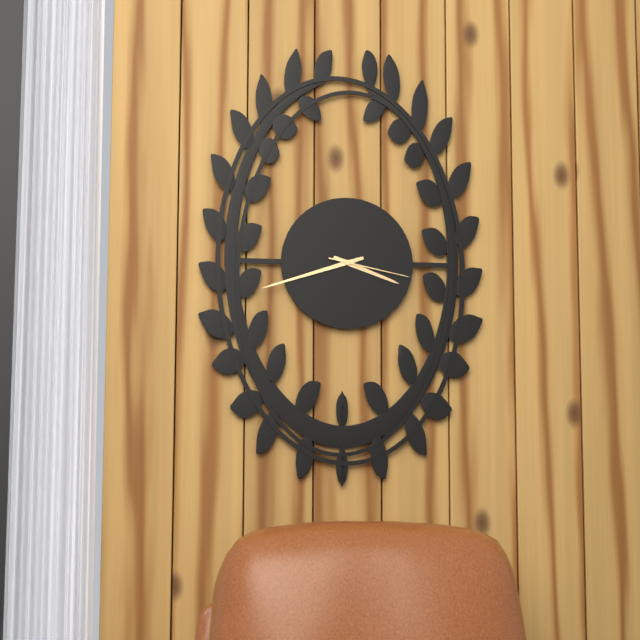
3:42:17
